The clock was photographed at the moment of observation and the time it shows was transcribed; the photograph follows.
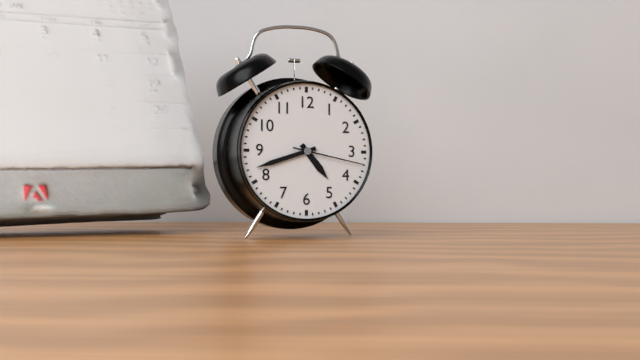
4:42:17
